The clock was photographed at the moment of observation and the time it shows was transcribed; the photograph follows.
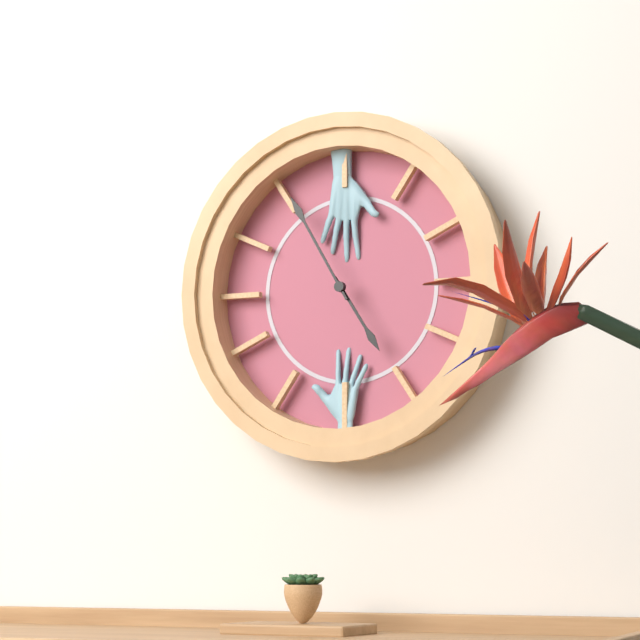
4:55
